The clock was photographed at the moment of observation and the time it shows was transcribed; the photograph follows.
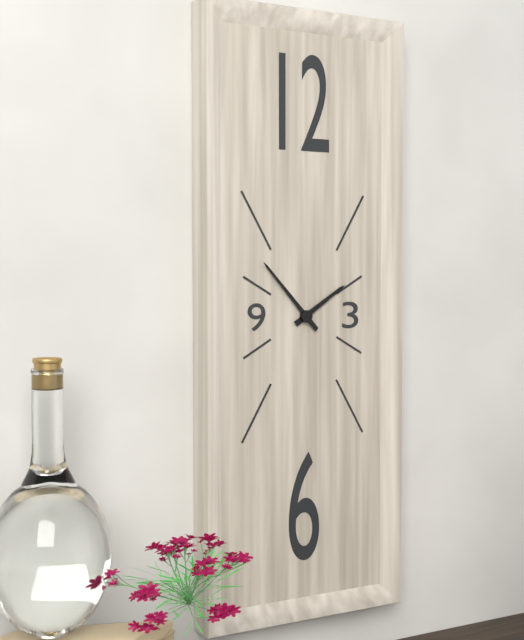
1:53
